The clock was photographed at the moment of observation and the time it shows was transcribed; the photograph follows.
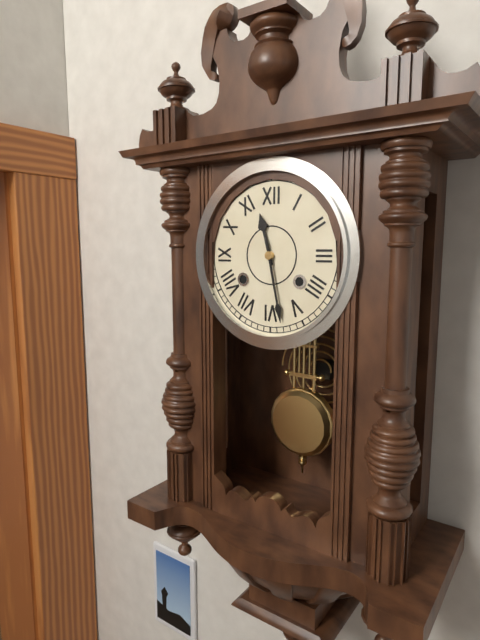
11:28
